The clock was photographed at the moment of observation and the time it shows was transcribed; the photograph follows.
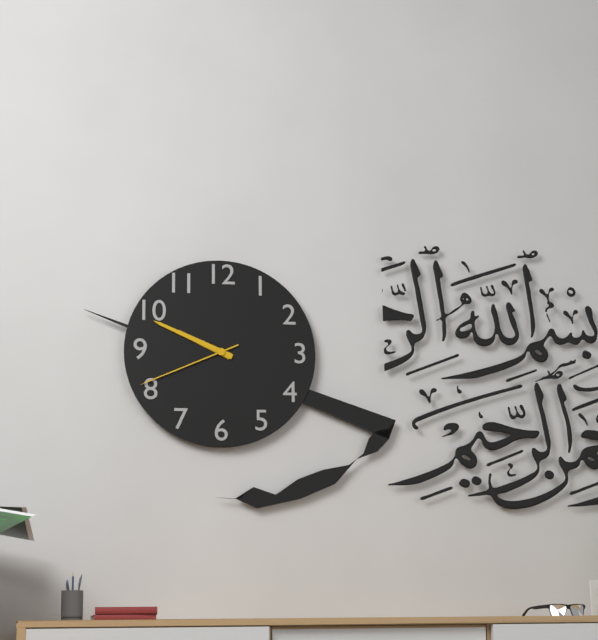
9:49:41
